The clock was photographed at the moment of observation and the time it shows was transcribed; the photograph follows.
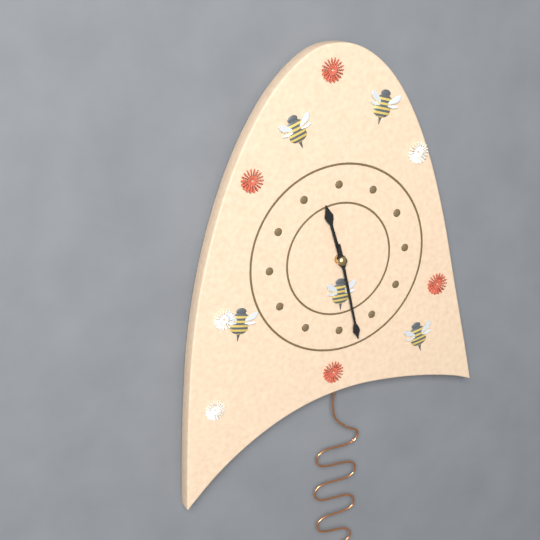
11:28
